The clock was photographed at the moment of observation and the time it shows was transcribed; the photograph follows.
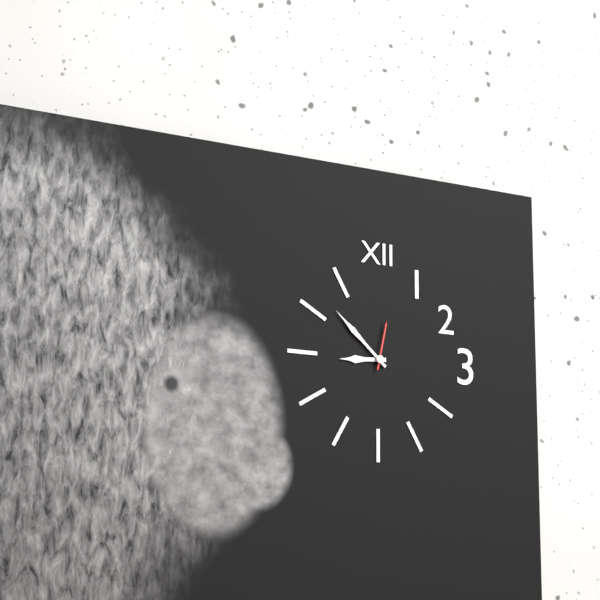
8:52
